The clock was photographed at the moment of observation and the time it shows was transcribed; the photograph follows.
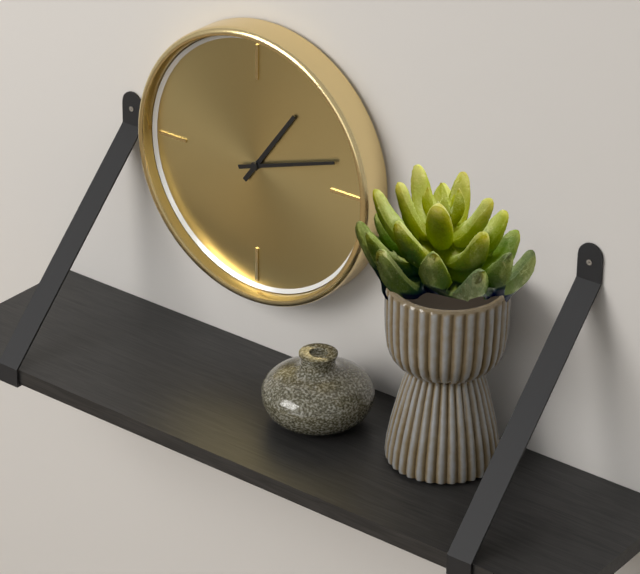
1:12
